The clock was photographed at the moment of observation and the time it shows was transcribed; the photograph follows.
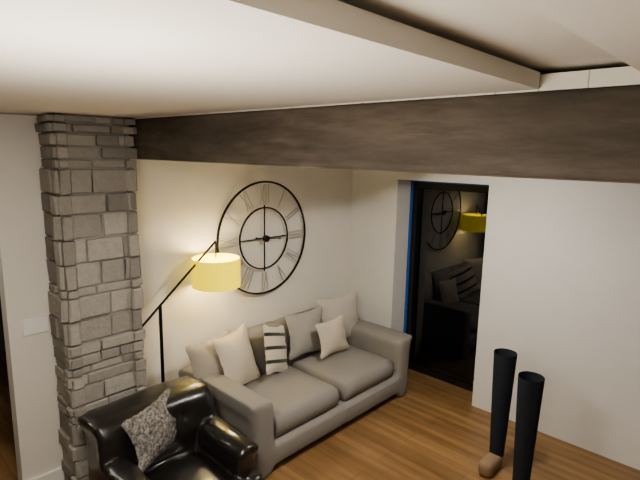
9:16
